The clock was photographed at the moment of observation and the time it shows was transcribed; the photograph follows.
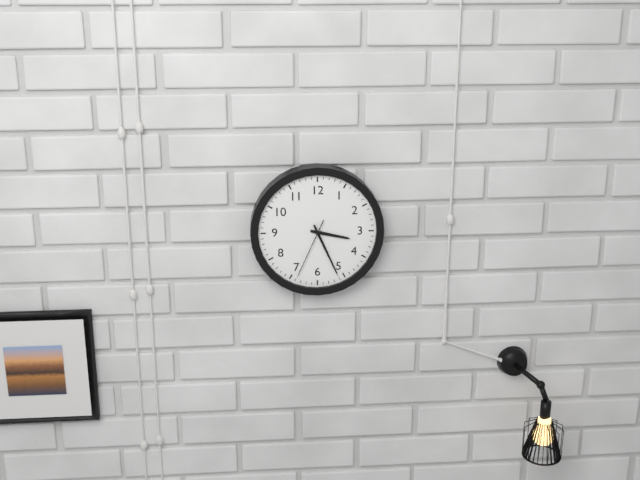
3:26:34
